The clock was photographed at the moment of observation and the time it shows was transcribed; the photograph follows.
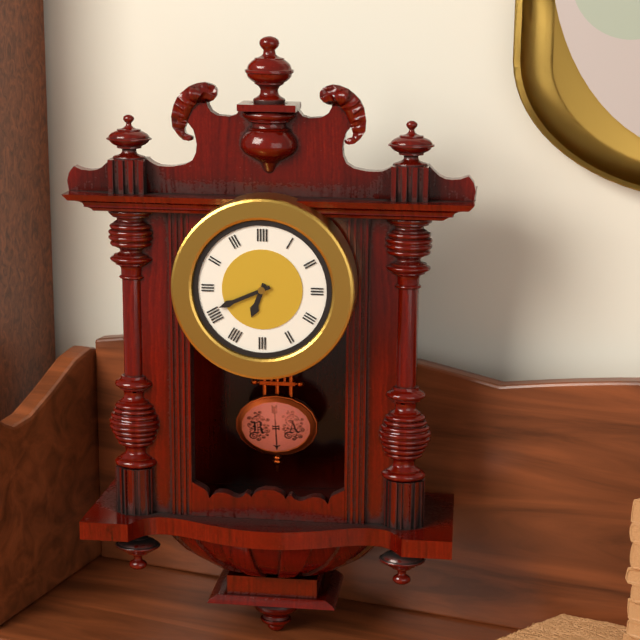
6:41
